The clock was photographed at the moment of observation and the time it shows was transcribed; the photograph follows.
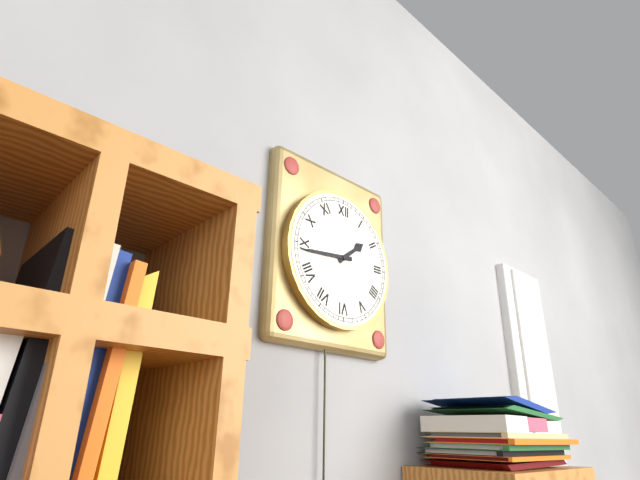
1:44
